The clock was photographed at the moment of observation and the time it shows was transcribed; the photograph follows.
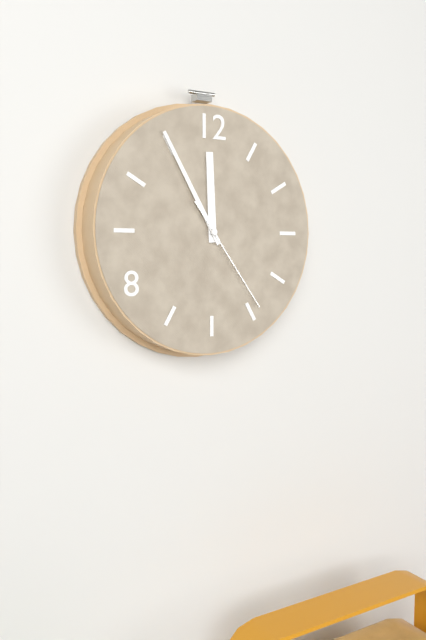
11:55:24
